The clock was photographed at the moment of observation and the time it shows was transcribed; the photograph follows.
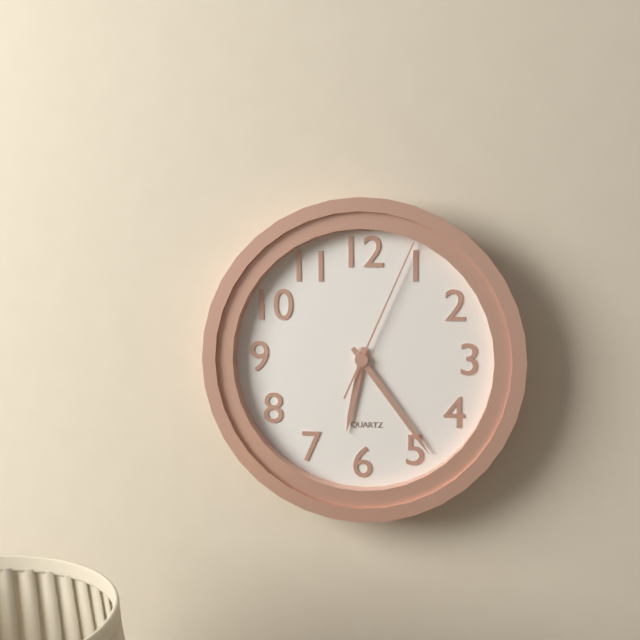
6:24:04
